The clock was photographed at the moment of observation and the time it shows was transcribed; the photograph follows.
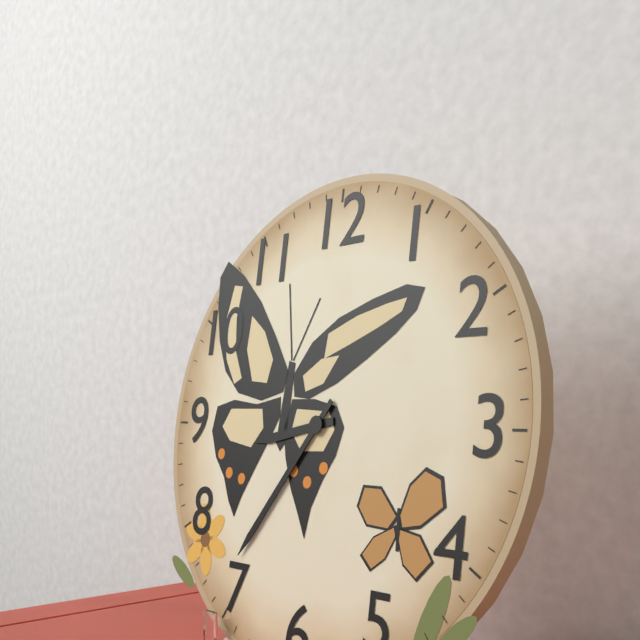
8:36
